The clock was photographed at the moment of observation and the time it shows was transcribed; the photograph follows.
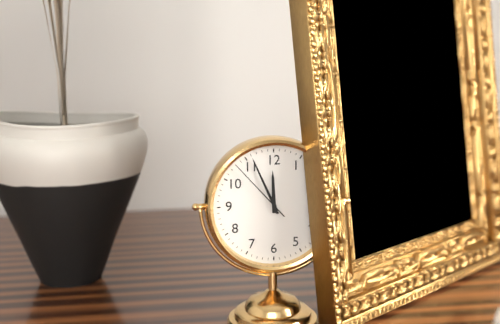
11:56:53
